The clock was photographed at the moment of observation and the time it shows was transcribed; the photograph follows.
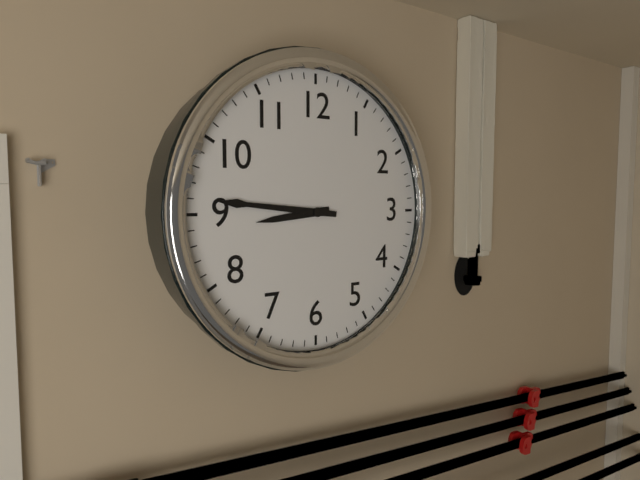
8:46
